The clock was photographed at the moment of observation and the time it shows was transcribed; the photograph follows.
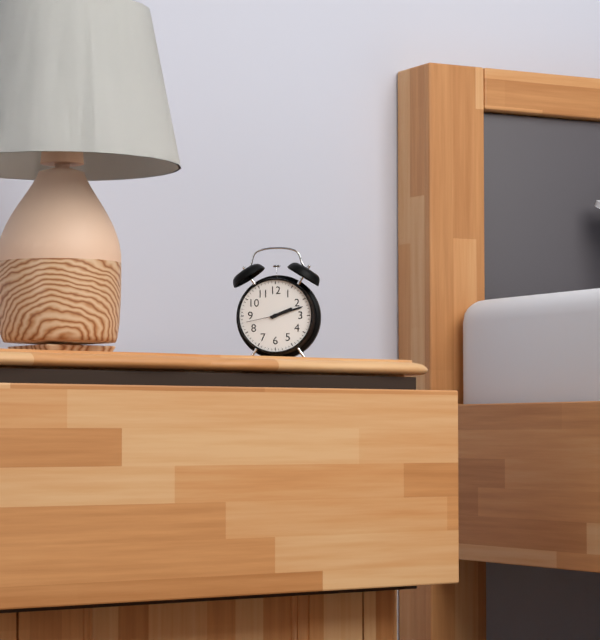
2:12
